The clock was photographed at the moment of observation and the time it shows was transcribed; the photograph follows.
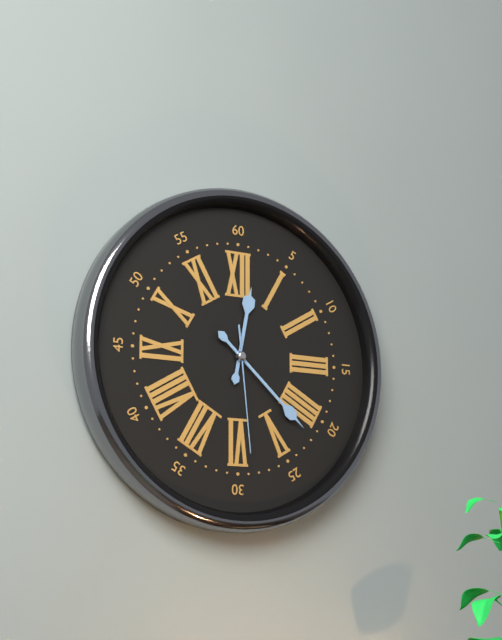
12:22:29
